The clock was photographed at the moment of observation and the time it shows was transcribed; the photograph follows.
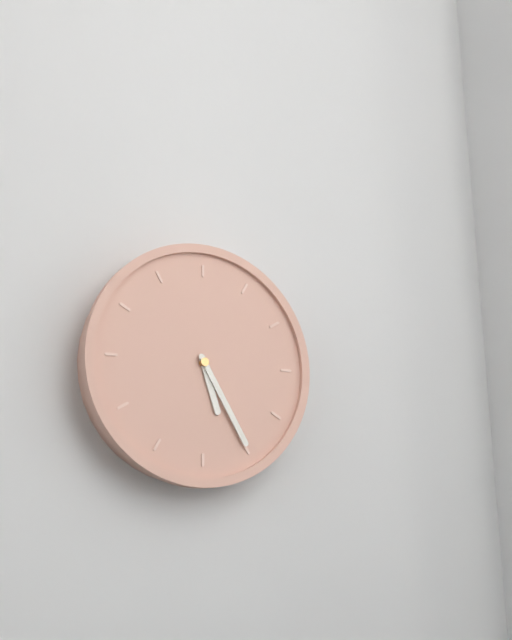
5:25
